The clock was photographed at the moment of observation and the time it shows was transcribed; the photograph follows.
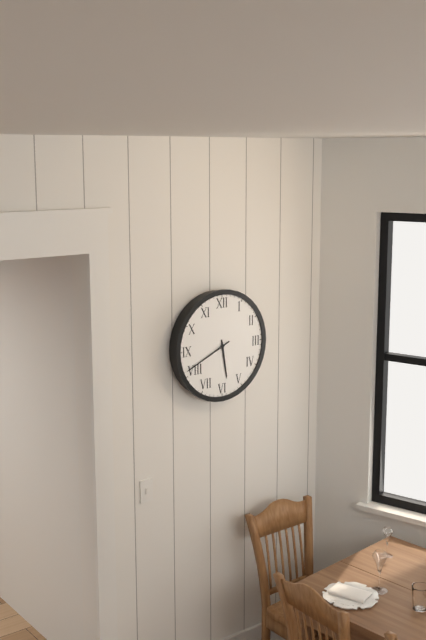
5:41
